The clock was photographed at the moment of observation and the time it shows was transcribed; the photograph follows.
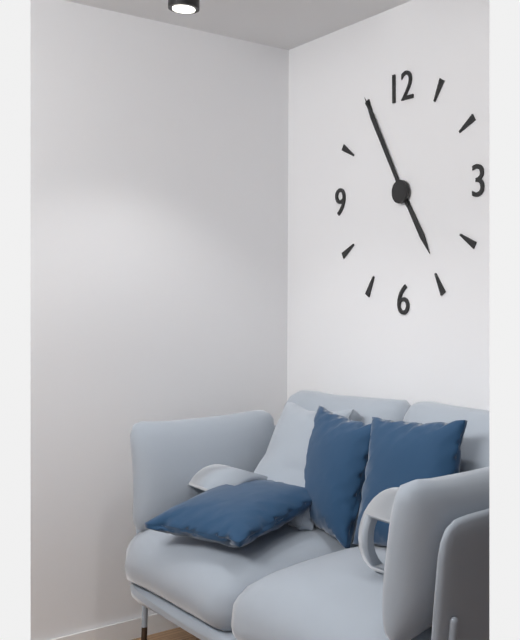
4:55
